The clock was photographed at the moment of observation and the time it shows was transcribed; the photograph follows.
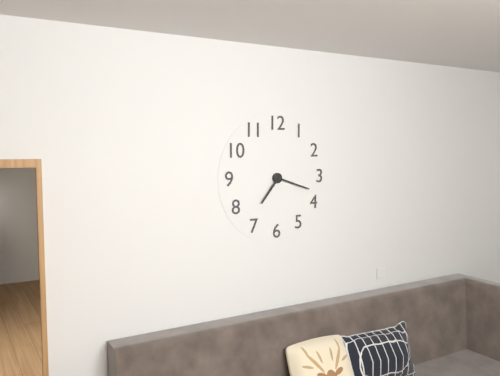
7:18
